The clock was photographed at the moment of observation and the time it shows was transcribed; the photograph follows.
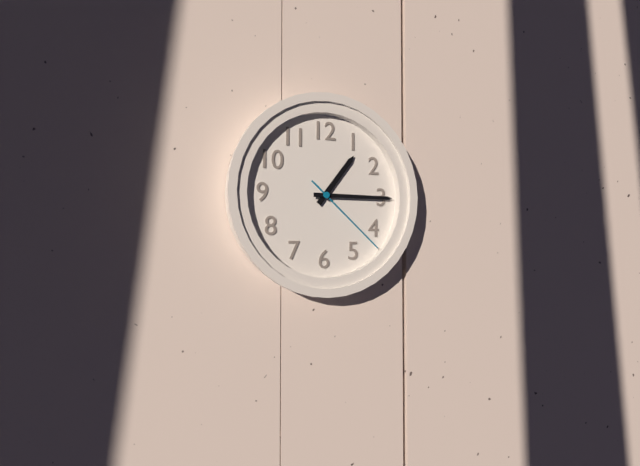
1:15:22
